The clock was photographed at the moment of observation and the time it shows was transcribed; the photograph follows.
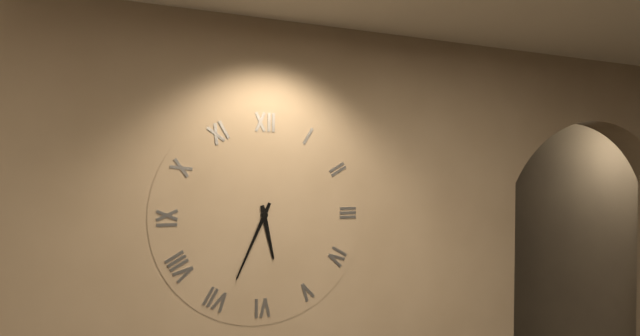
5:34
